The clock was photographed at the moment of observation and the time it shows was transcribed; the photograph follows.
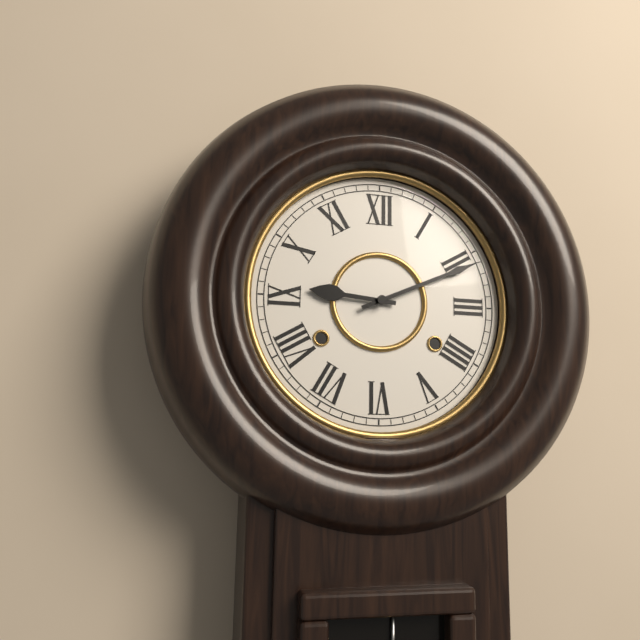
9:11
